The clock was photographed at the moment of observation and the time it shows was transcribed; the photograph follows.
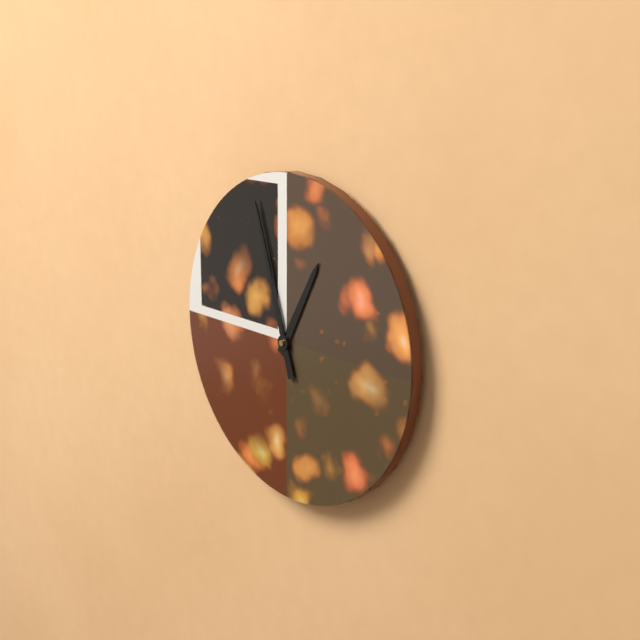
12:57
